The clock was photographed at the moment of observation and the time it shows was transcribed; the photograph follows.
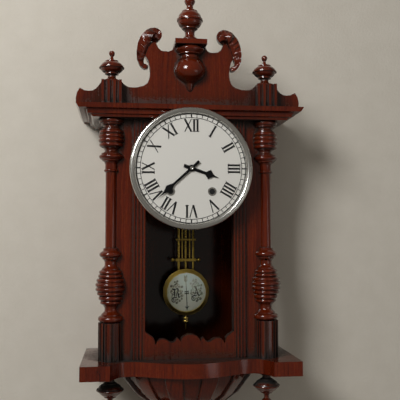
3:38
